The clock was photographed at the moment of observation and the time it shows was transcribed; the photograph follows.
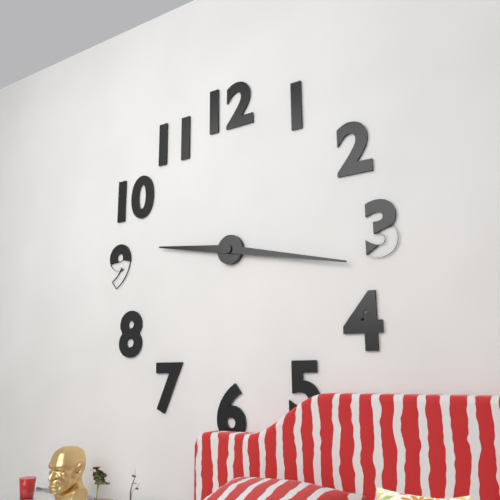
9:17
